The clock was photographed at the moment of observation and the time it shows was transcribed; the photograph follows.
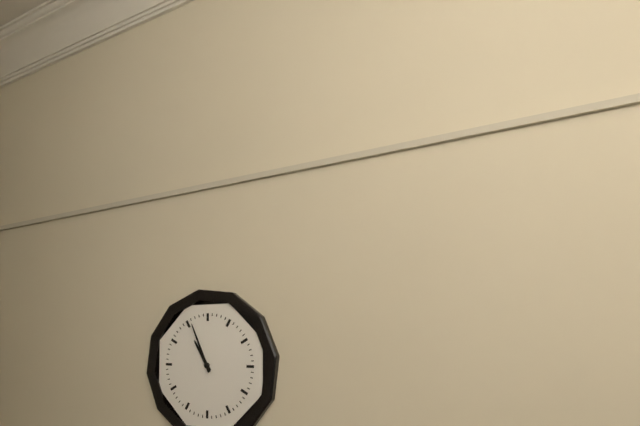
10:56
